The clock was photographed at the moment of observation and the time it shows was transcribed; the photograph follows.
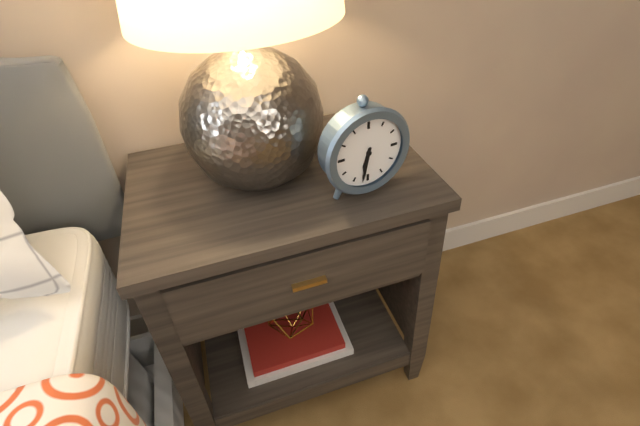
6:32
